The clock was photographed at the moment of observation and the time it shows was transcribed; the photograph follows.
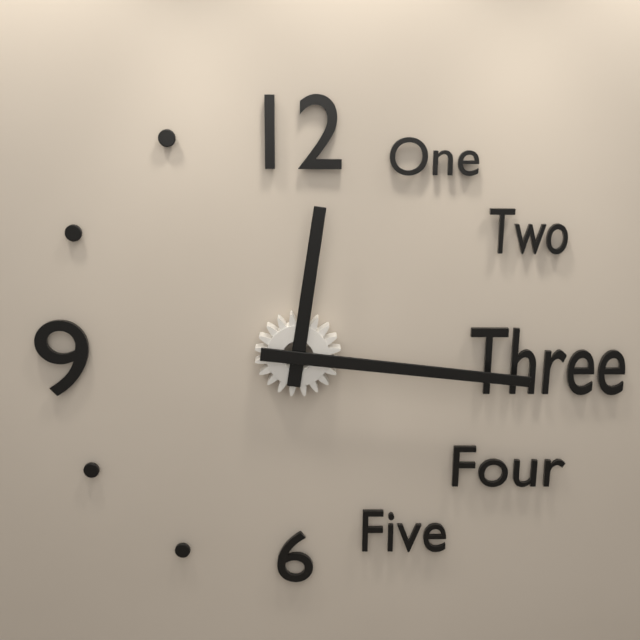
12:16
